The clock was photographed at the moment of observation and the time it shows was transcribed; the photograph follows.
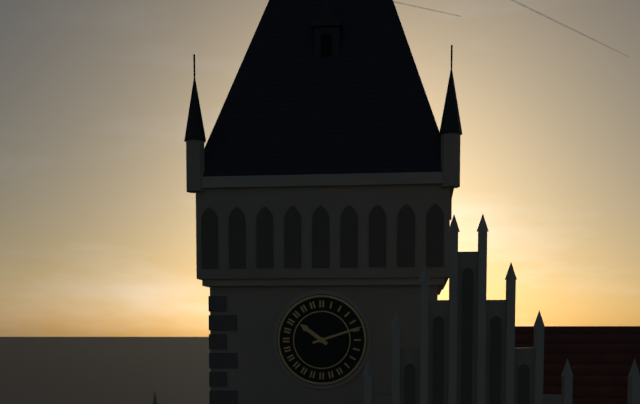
10:12
